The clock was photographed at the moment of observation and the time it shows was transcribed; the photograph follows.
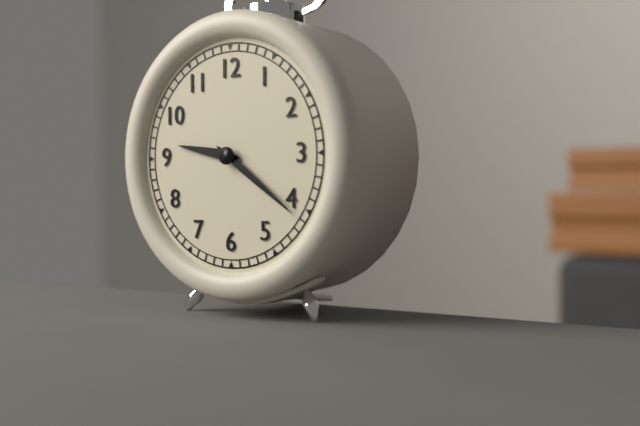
9:21
